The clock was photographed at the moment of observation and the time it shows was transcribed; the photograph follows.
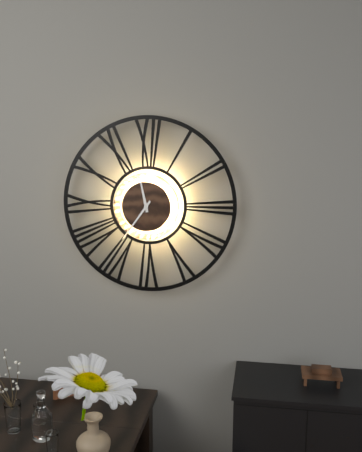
11:36
